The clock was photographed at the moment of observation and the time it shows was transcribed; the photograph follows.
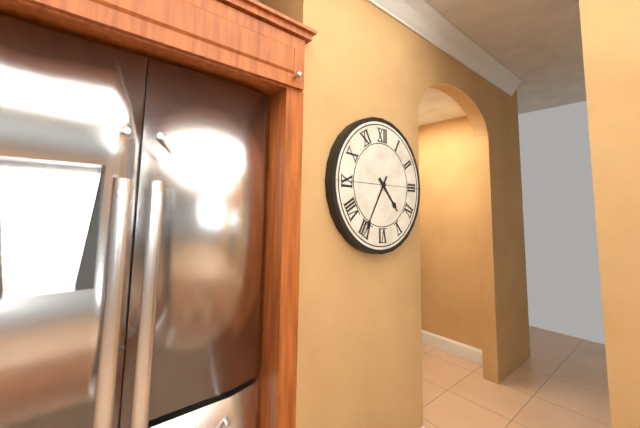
4:35
